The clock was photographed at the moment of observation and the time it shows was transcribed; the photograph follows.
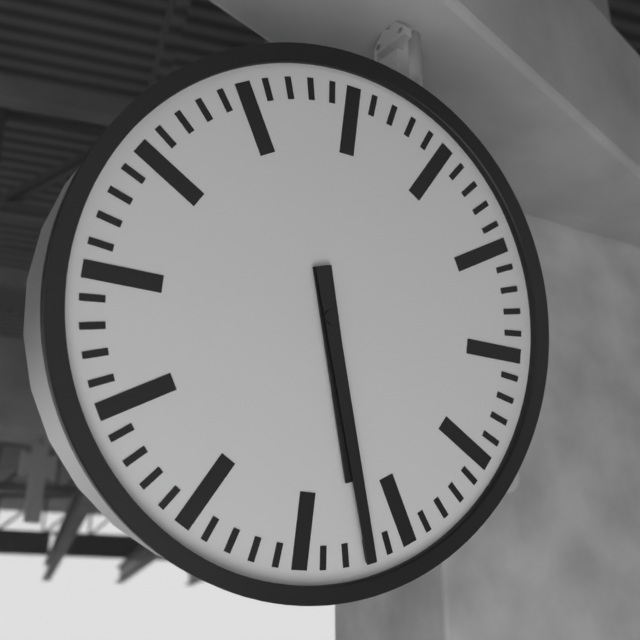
5:27
